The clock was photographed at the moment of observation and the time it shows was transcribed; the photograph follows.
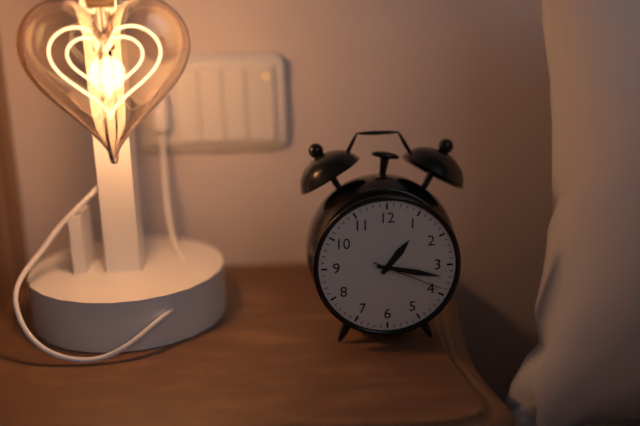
1:17:19
